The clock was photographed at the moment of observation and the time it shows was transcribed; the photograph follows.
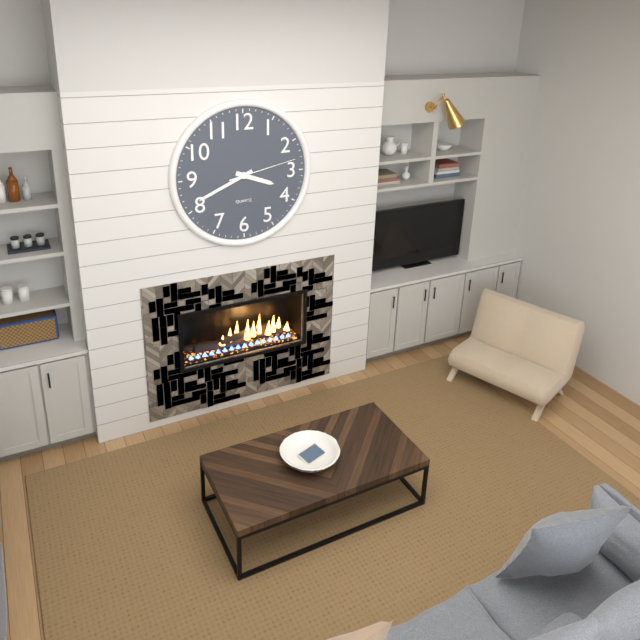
3:41:13
